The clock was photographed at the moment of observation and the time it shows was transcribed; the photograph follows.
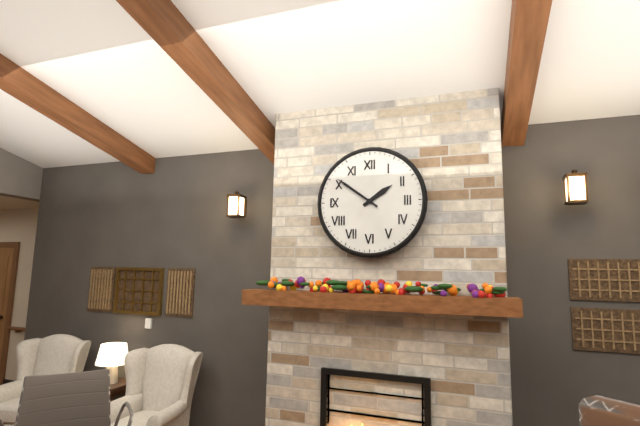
1:51
